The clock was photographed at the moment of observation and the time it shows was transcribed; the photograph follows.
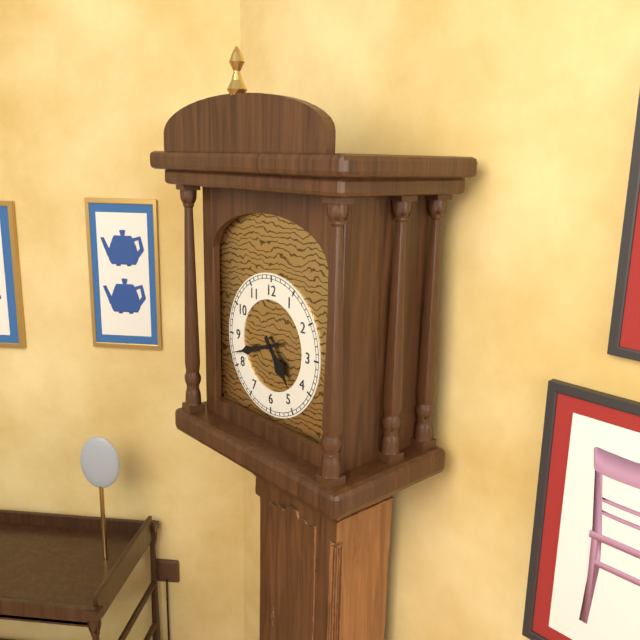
4:42
